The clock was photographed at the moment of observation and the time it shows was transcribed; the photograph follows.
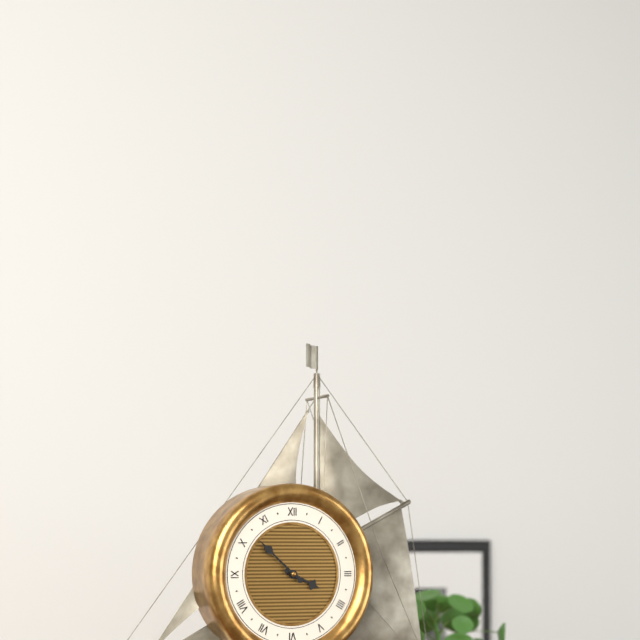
3:52
